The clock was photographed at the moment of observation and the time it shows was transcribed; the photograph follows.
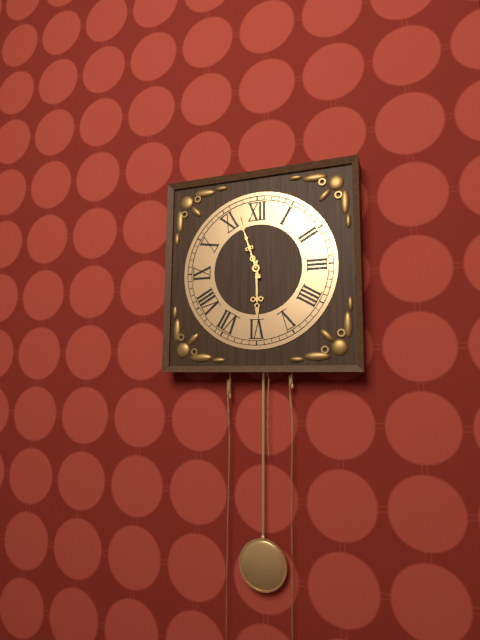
5:57
